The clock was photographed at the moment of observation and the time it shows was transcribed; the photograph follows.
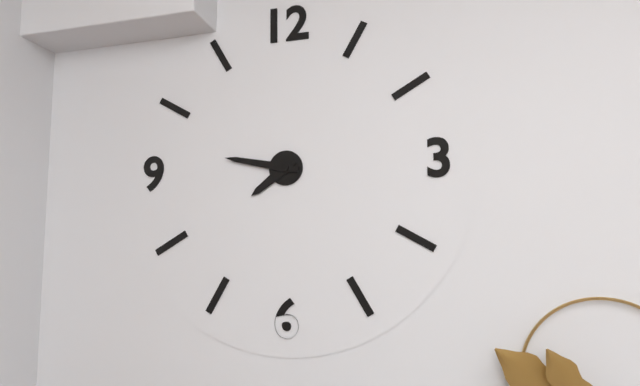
7:47
